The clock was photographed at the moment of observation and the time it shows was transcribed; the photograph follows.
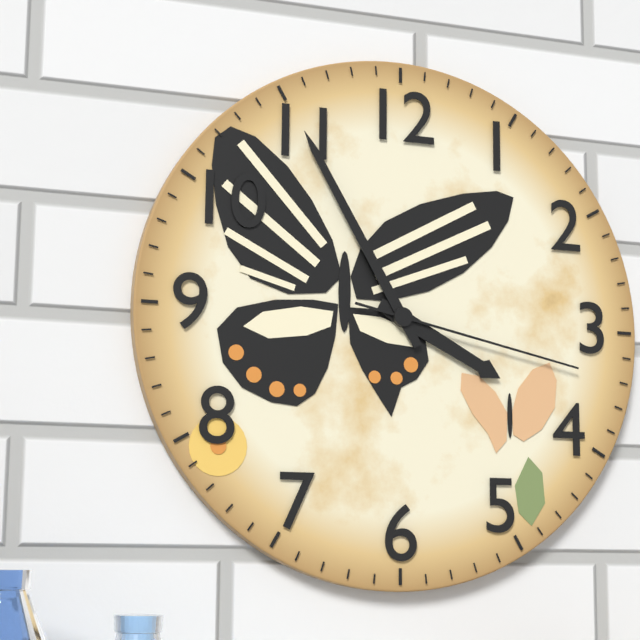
3:55:17
